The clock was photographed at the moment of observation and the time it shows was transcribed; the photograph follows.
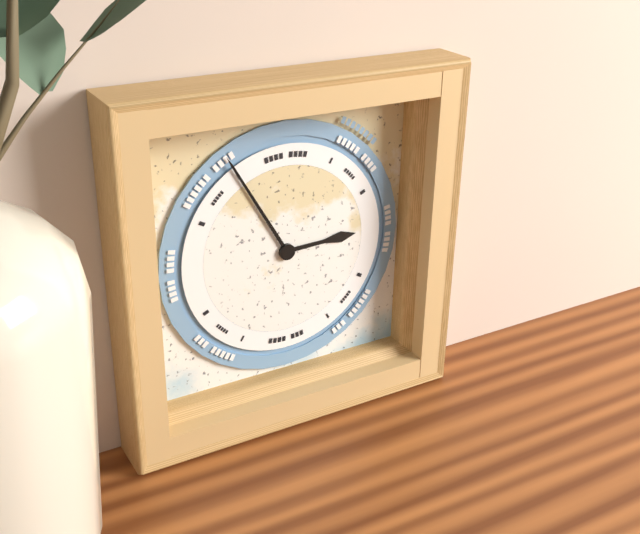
2:55
